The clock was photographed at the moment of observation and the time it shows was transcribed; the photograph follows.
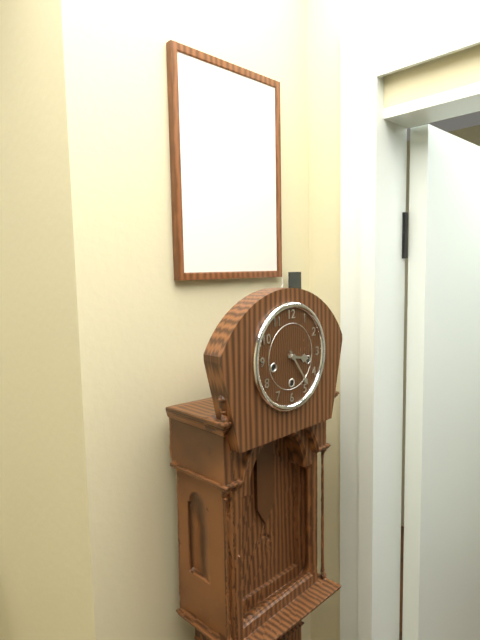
3:24
